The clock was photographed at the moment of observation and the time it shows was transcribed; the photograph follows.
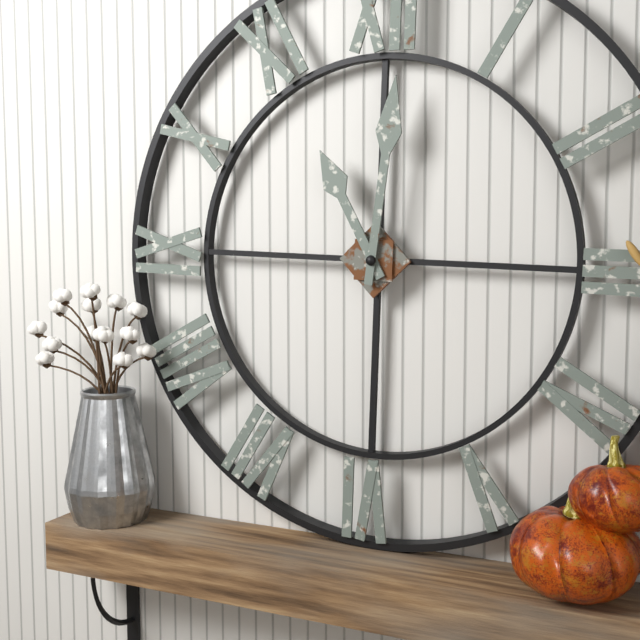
11:01
